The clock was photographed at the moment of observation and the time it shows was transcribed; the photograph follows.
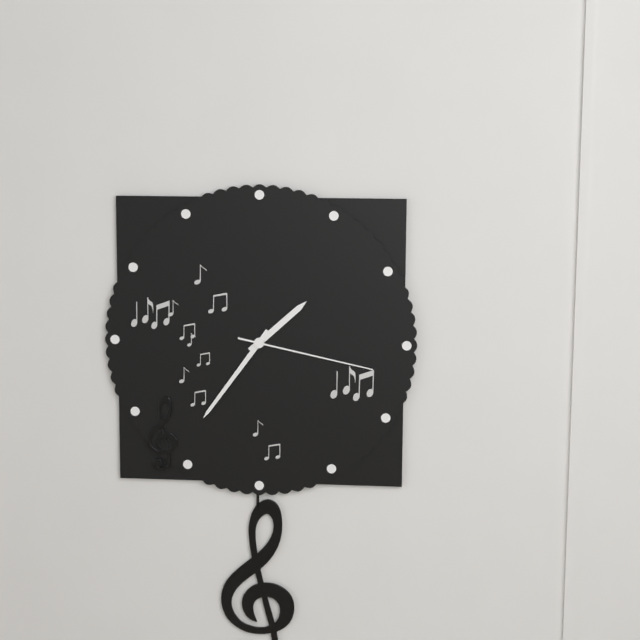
1:36:17
